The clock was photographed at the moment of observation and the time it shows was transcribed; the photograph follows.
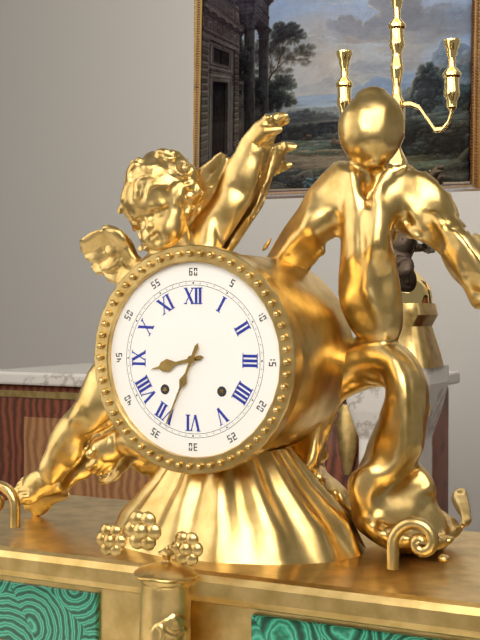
8:34
